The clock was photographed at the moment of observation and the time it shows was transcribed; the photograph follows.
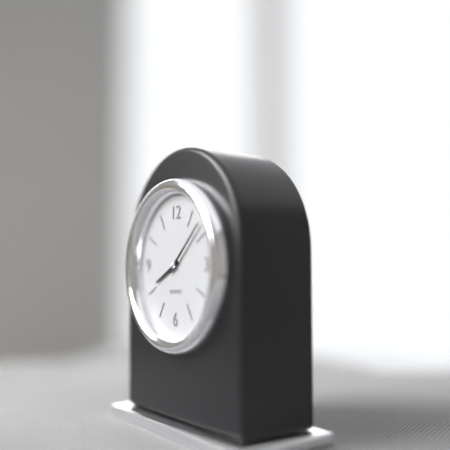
8:08
